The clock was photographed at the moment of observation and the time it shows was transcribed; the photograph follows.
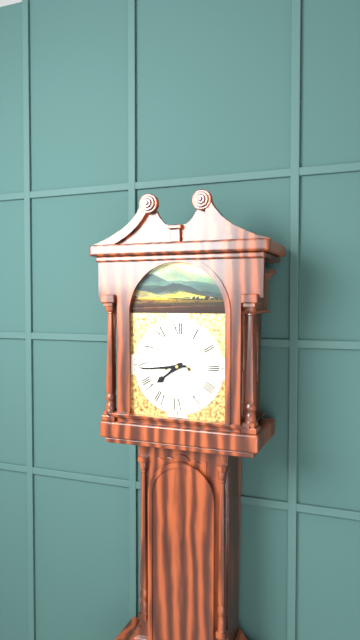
7:44
